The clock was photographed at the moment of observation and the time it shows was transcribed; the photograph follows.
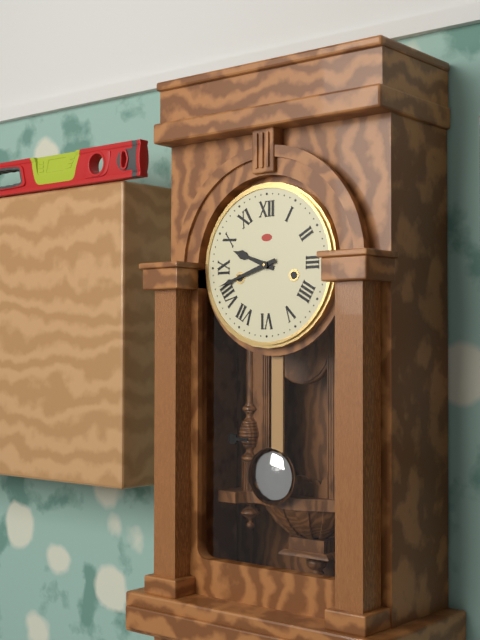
9:42
